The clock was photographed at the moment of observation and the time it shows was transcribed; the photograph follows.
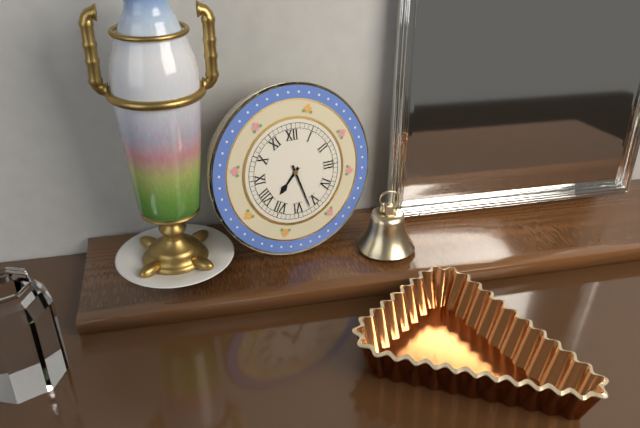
7:27
